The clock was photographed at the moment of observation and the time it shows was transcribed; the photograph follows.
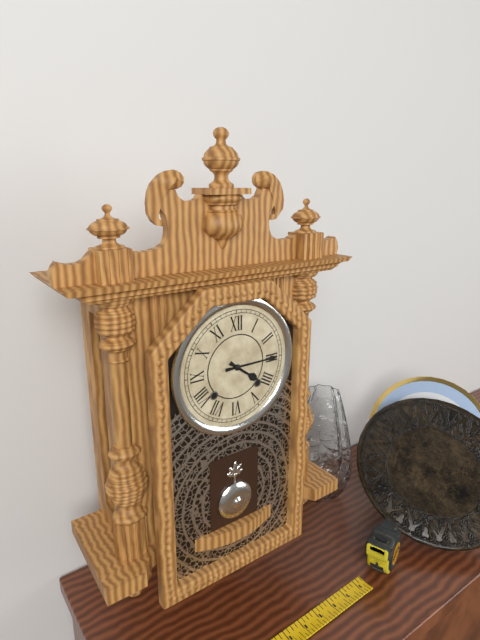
4:15
